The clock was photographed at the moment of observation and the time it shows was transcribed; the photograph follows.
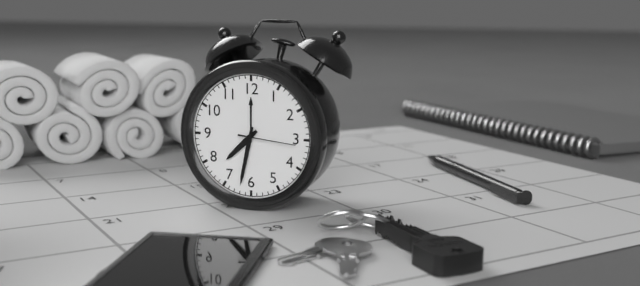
7:32:16
